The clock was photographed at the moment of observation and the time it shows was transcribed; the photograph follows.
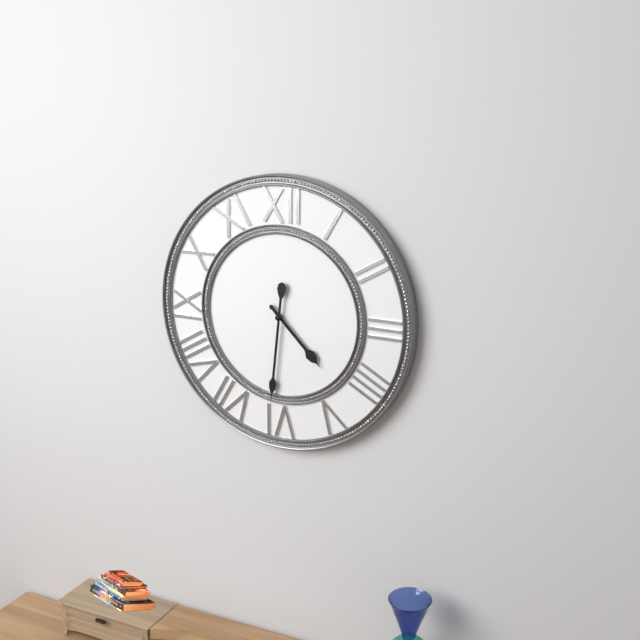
4:31
